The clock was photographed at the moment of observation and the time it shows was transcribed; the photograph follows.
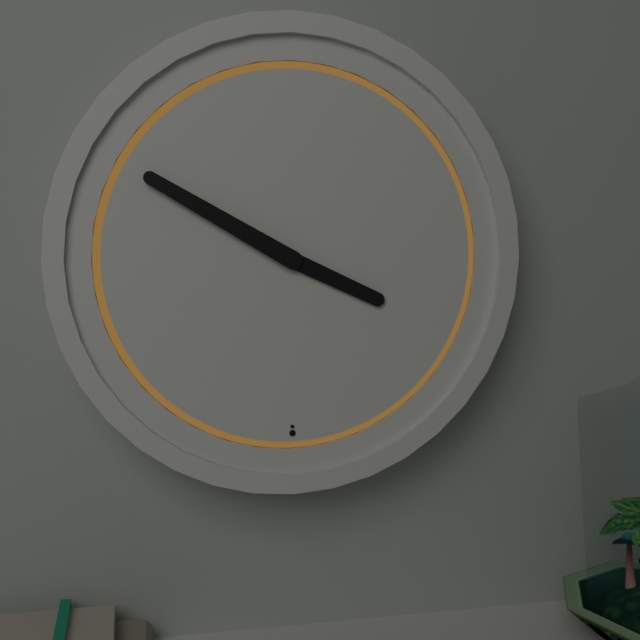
3:50
